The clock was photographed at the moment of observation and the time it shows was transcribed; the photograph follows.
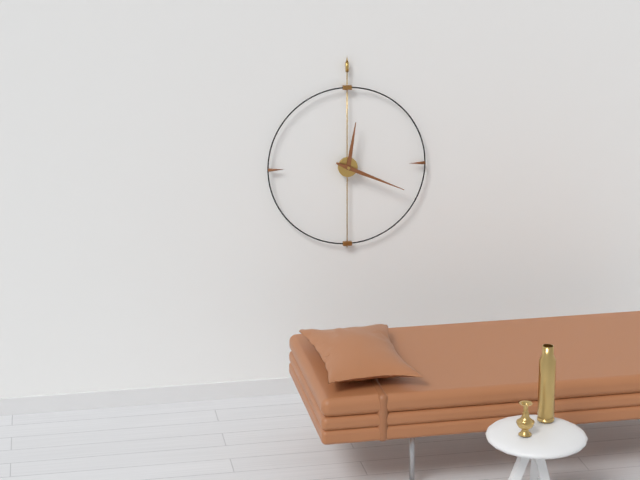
12:19
